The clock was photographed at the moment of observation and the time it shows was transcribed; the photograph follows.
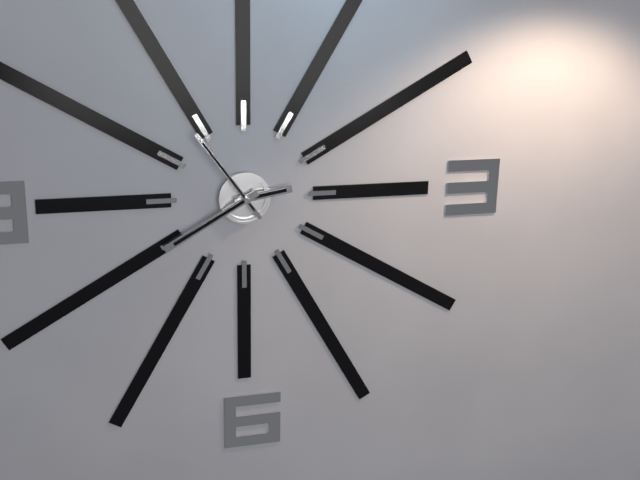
2:40:54
